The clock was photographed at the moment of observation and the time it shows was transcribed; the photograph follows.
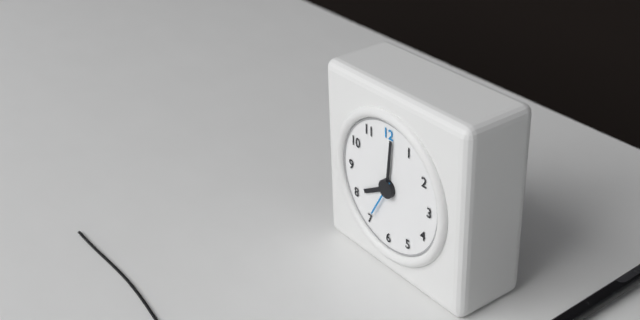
8:01
